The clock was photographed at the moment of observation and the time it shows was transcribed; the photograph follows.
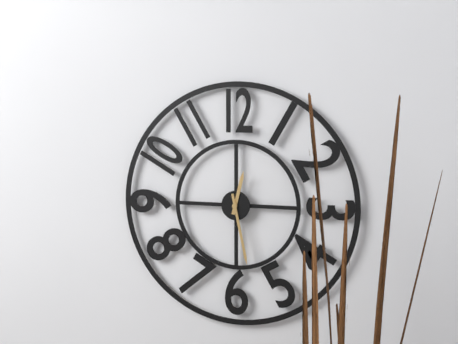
12:28
